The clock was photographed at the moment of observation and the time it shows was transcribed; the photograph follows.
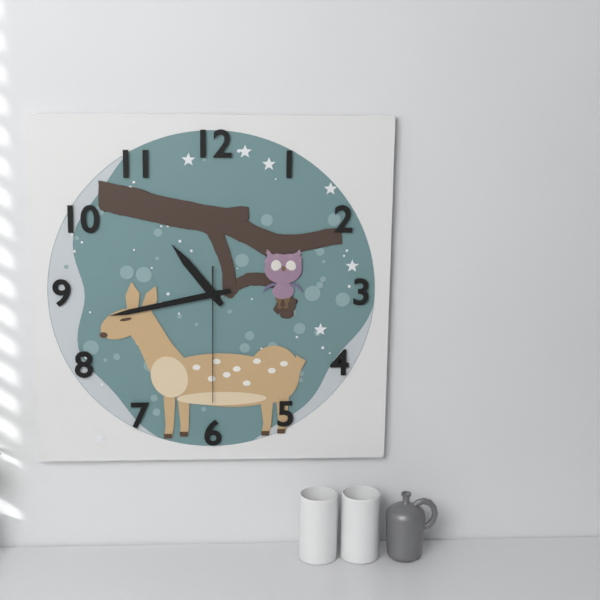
10:43:30
